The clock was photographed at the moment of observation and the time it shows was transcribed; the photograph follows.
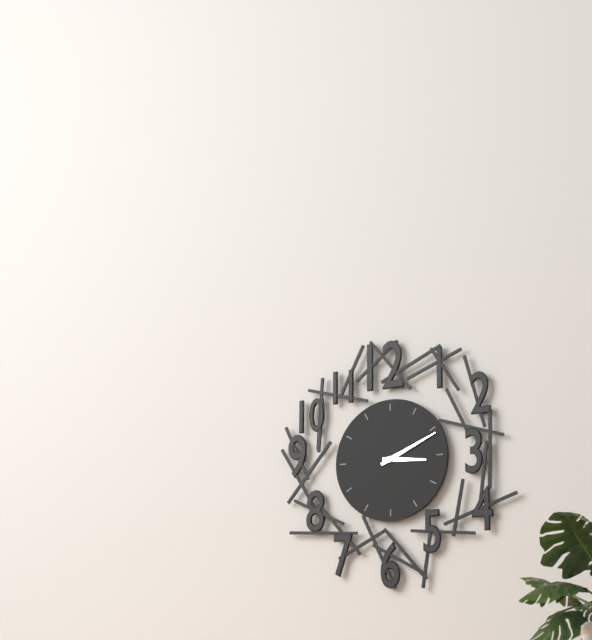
3:11
